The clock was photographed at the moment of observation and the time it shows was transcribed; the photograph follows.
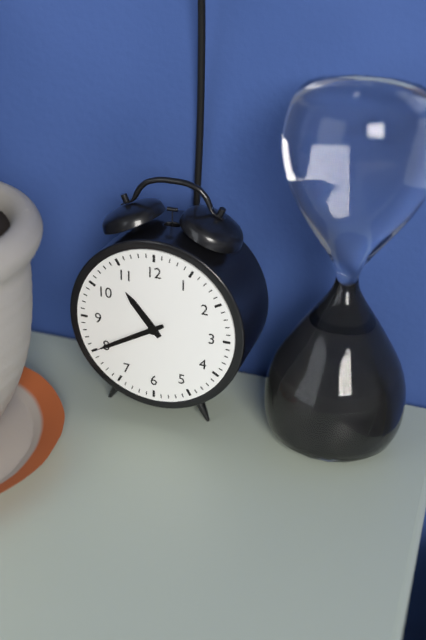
10:40
